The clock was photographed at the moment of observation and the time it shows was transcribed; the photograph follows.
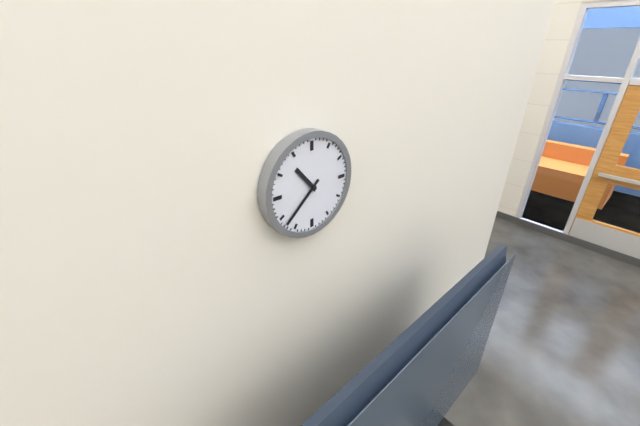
10:38
